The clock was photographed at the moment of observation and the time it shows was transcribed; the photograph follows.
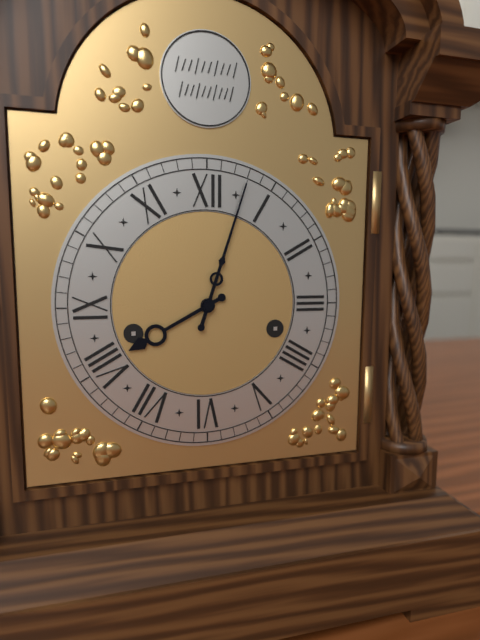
8:03
